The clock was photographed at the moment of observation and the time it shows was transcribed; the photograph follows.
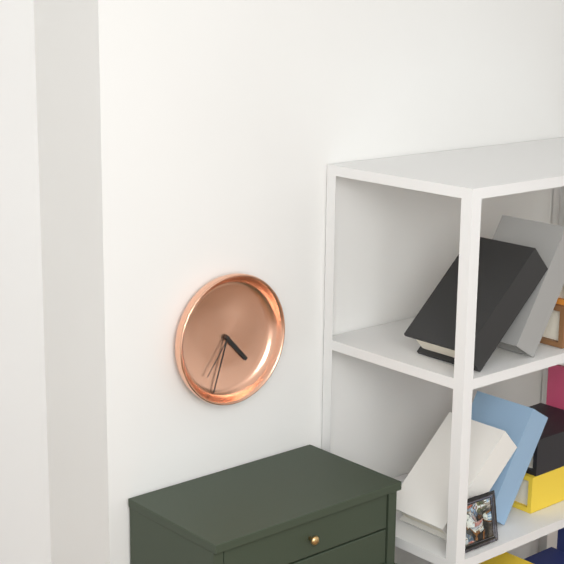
4:33:36
